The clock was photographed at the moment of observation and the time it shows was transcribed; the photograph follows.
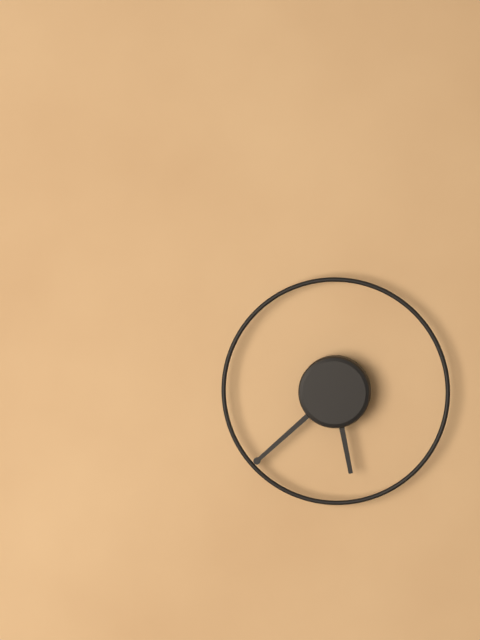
5:38
